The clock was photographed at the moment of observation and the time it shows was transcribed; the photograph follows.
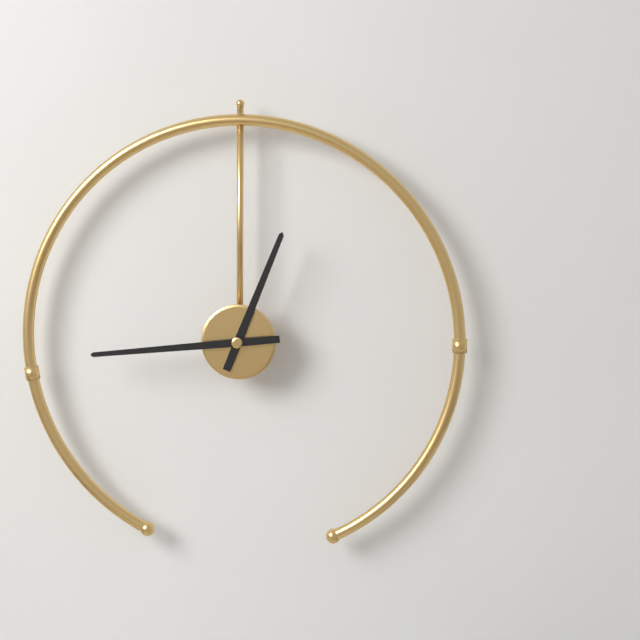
12:44
